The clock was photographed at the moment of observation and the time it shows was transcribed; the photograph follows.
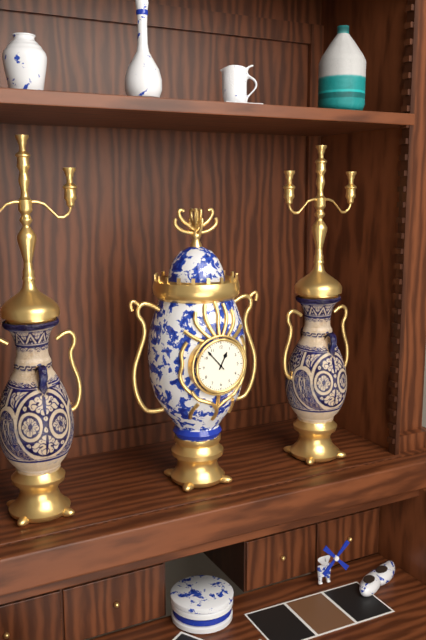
12:53
